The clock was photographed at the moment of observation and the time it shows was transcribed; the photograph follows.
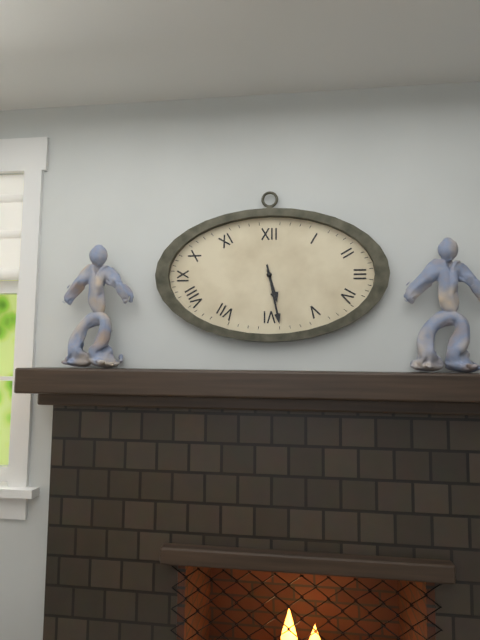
5:28
